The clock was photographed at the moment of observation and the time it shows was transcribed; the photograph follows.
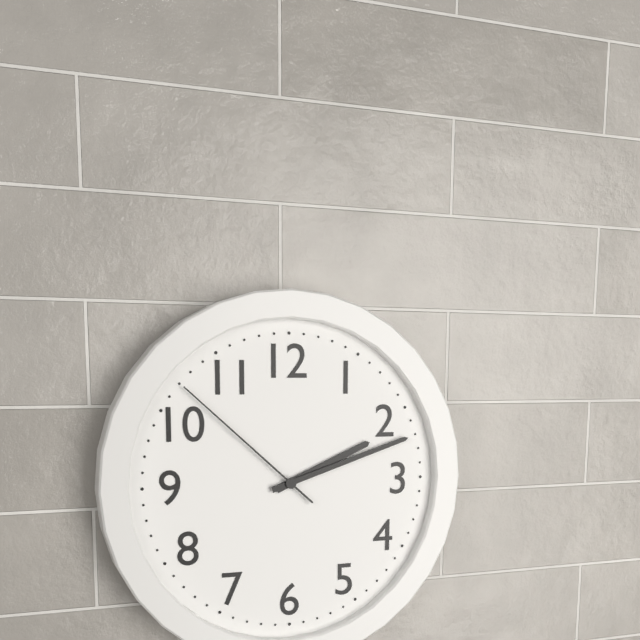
2:12:52
